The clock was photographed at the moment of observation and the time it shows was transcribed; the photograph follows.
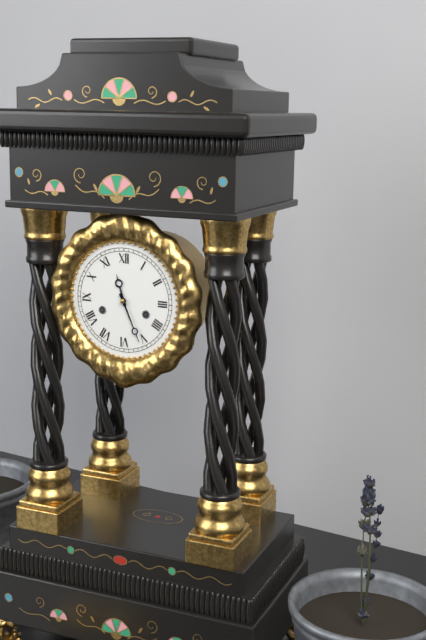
11:26
